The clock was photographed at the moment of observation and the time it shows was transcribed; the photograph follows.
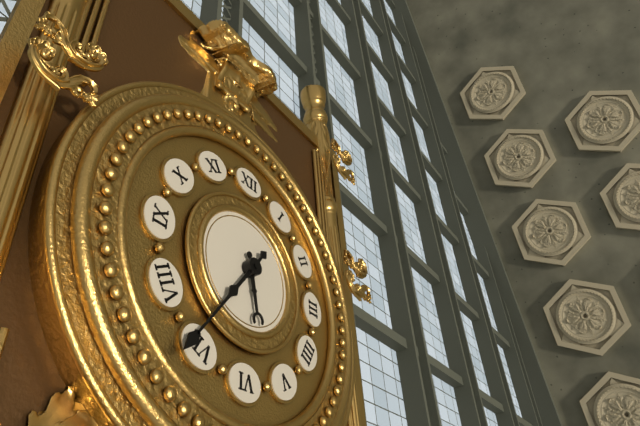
5:36
